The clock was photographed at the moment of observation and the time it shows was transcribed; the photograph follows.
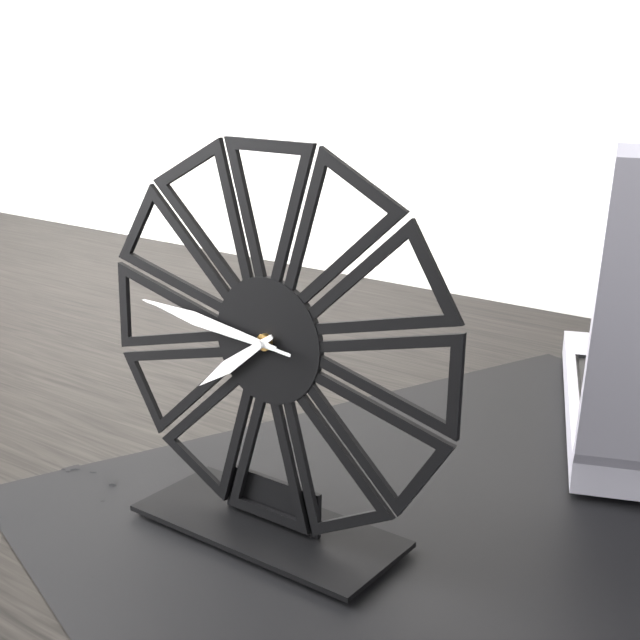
7:46:46
